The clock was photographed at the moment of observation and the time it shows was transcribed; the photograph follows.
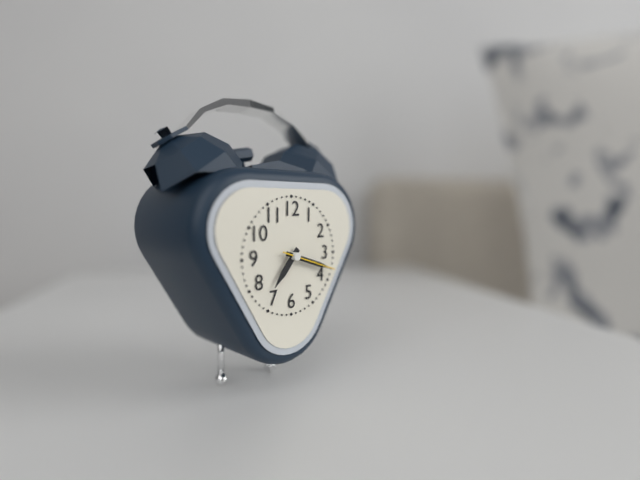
7:18:18
